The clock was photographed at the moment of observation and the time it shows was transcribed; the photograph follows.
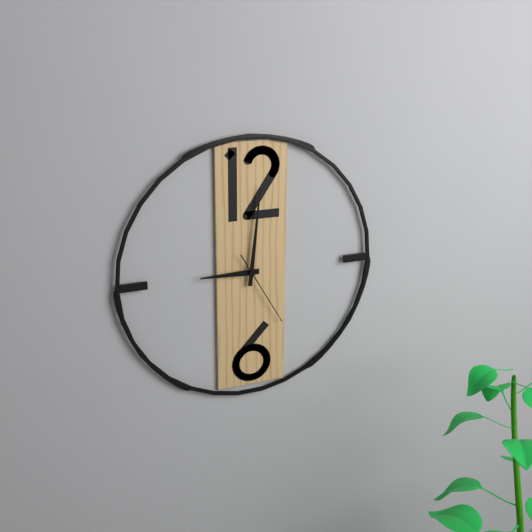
9:01:25
